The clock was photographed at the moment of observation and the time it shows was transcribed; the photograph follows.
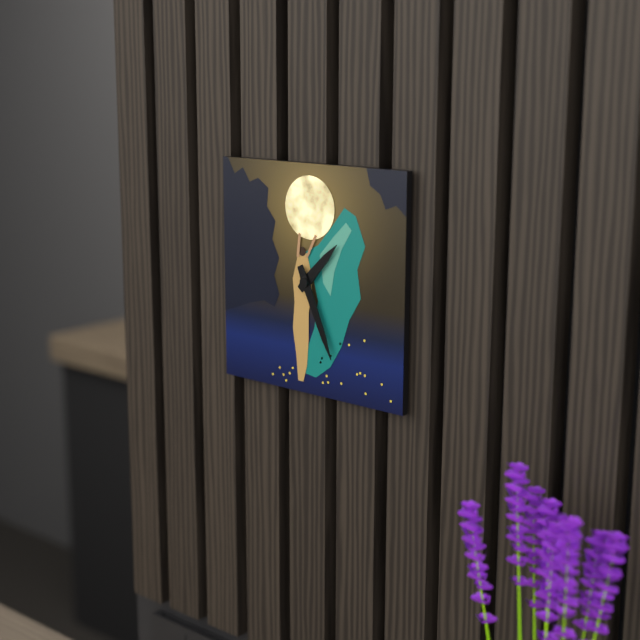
1:26
